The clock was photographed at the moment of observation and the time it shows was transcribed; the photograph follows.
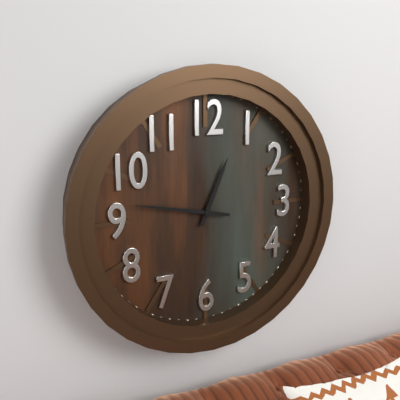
12:47
